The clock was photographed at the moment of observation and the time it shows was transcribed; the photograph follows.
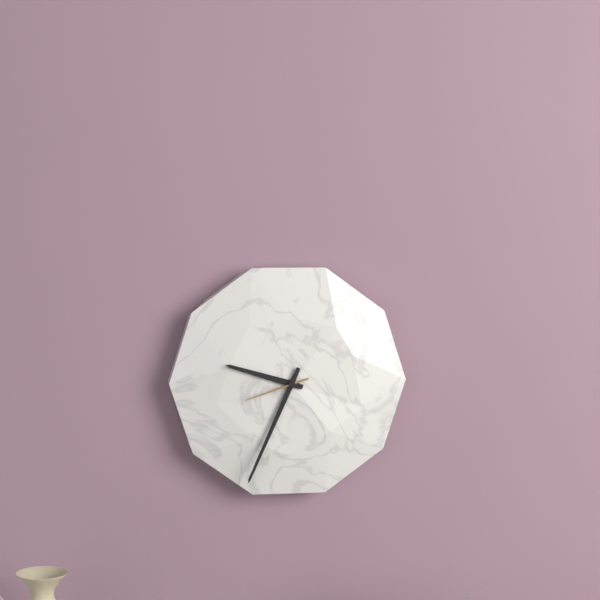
9:34:42
